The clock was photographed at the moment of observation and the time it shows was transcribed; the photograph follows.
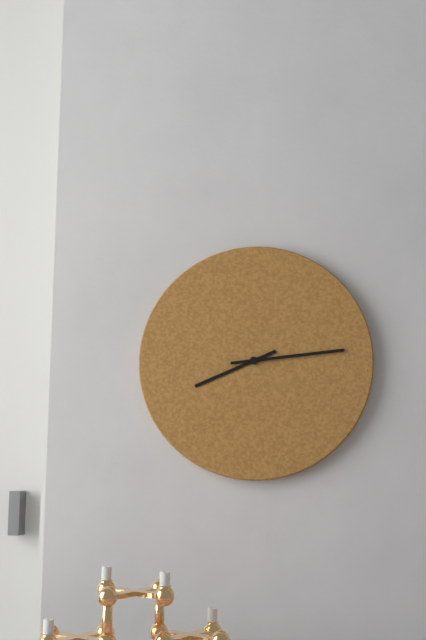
8:14
